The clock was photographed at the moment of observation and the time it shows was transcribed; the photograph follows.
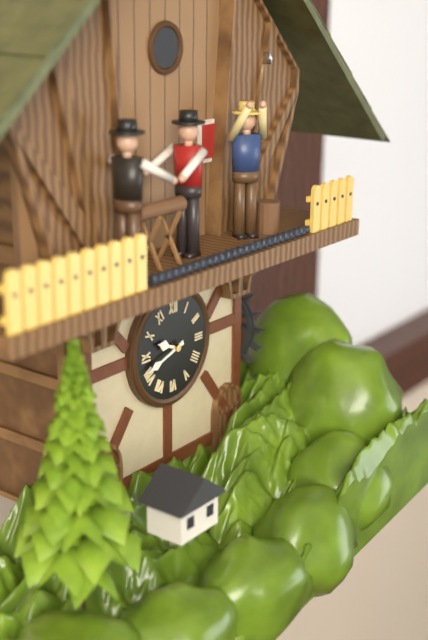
9:42
